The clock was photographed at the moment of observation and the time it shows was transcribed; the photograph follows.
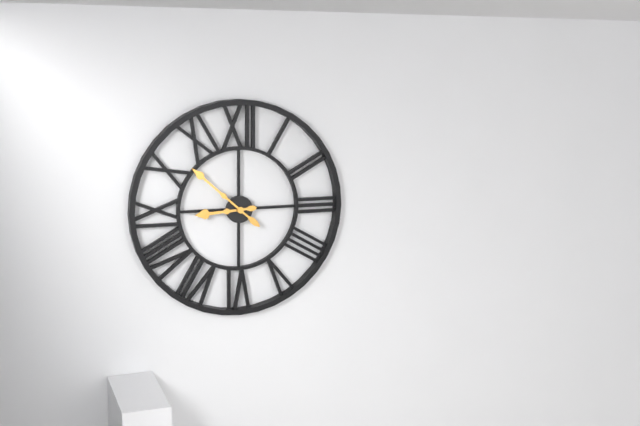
8:52
